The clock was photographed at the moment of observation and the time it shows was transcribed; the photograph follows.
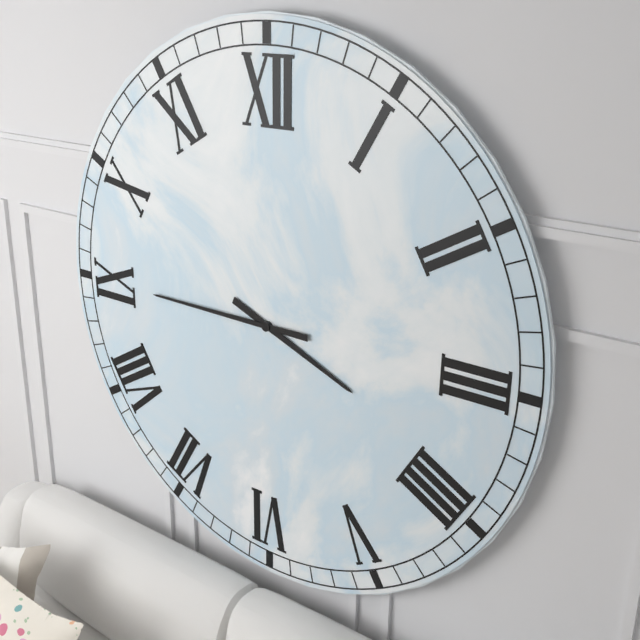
3:45
